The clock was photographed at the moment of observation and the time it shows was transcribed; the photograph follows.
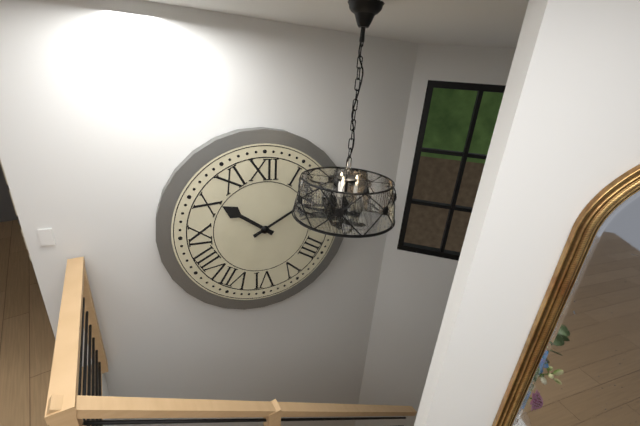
10:10
